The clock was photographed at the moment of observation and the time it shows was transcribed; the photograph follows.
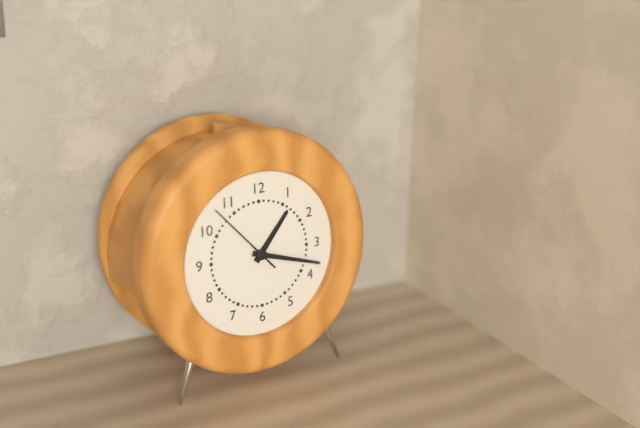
1:18:53
